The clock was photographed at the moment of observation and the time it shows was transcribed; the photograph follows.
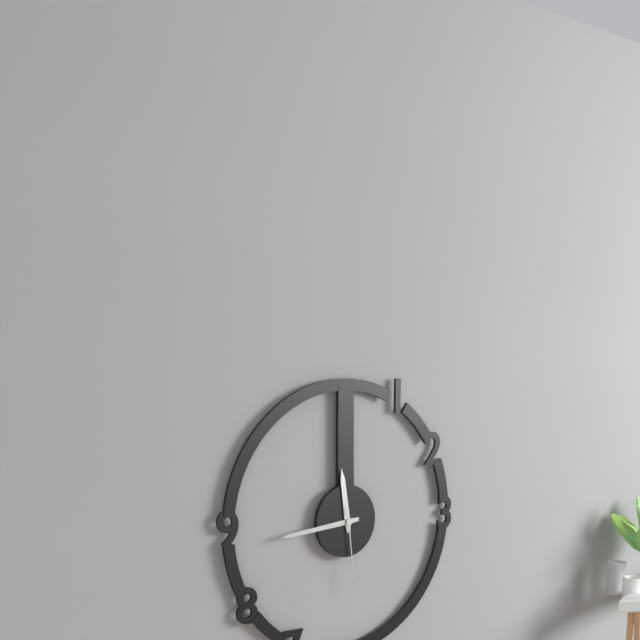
11:44:29
